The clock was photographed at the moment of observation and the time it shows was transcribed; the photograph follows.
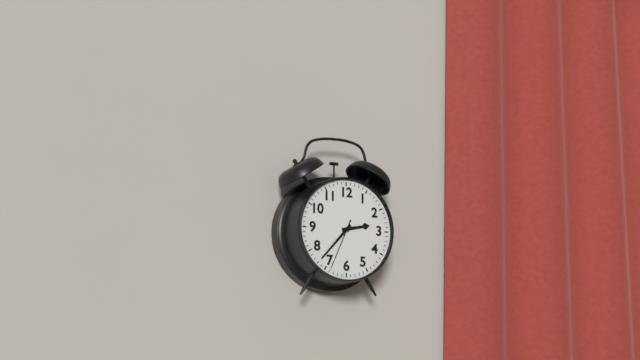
2:37:34
